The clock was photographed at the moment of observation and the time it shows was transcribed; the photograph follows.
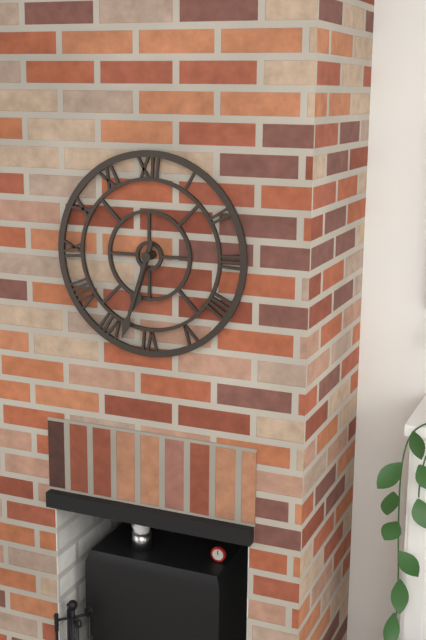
6:33
